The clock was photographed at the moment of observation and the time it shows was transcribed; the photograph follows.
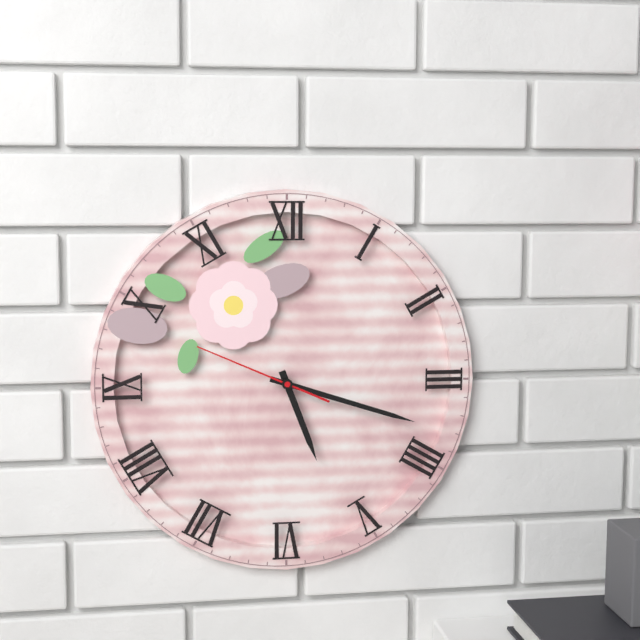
5:18:49
